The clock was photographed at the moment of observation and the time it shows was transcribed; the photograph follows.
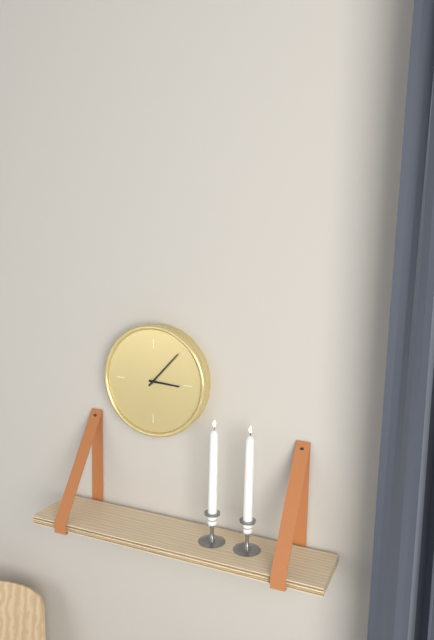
3:07
